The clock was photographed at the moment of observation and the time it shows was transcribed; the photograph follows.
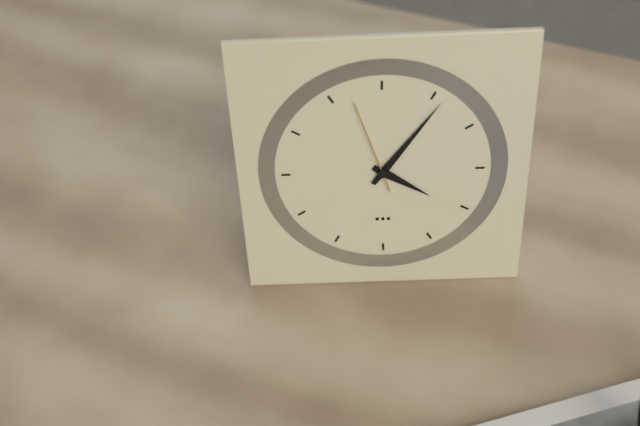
4:06:57
